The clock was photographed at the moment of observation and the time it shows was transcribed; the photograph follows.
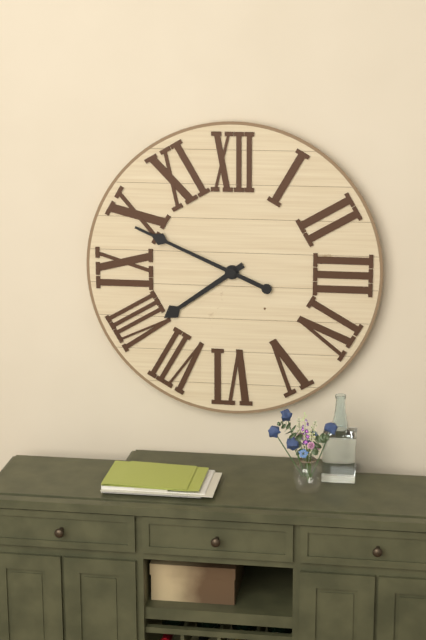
7:49
